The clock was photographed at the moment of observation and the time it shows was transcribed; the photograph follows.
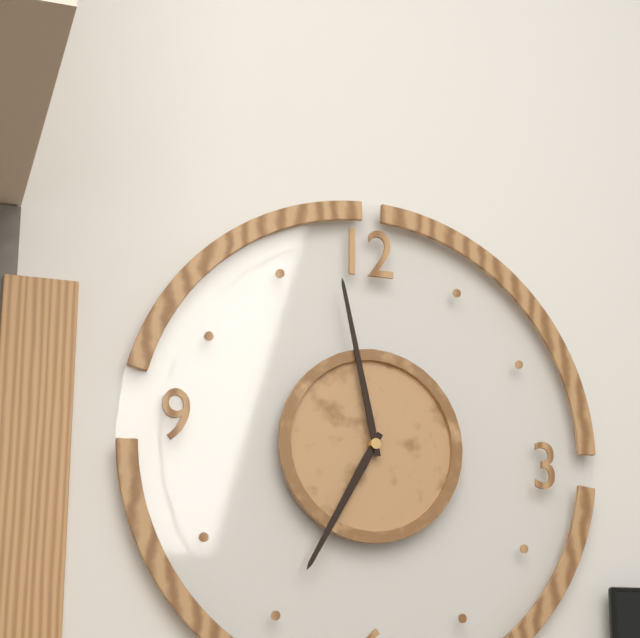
6:58
